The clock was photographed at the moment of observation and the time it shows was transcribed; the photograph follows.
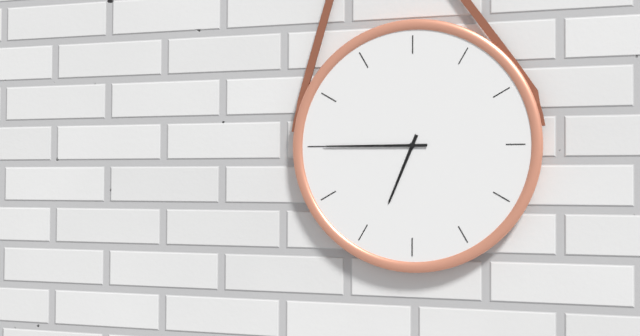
6:45
